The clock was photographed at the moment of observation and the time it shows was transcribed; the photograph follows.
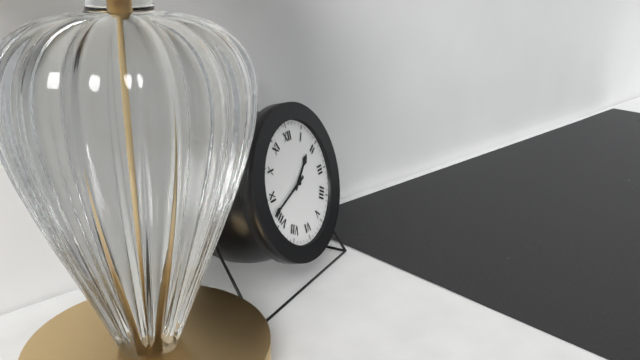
1:42
